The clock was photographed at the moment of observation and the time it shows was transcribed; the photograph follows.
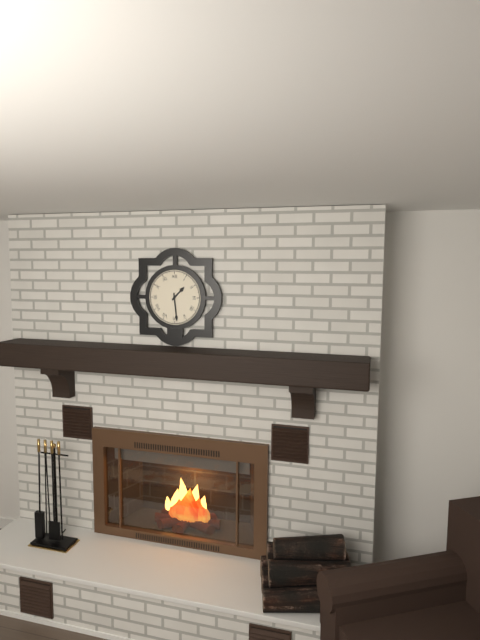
1:29
